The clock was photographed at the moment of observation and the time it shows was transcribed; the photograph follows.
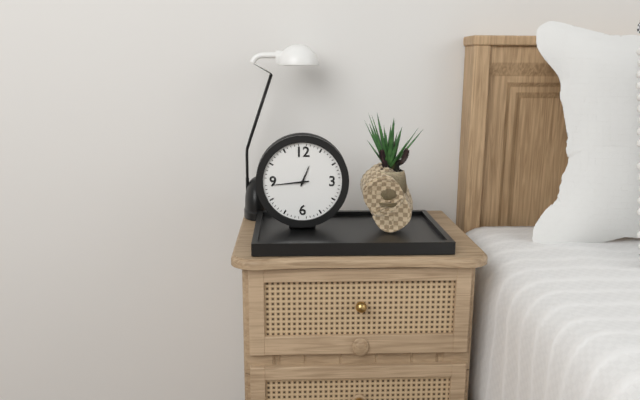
12:44
